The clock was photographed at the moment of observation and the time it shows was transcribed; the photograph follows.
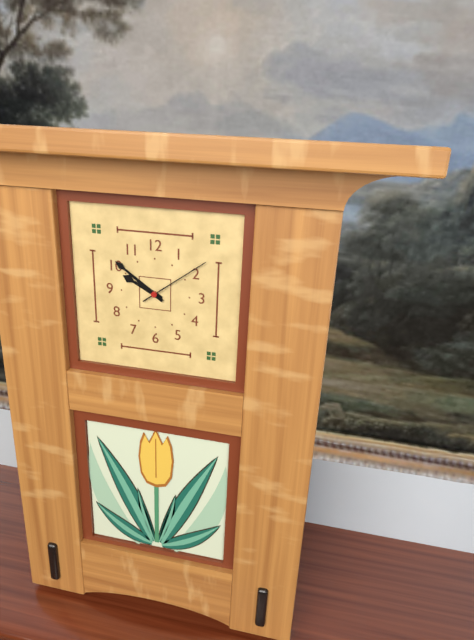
9:51:09
